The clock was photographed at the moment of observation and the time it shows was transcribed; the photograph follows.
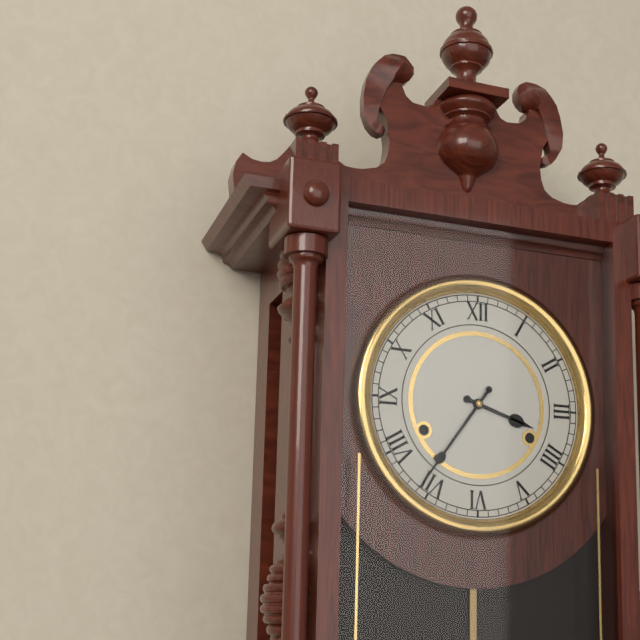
3:36
